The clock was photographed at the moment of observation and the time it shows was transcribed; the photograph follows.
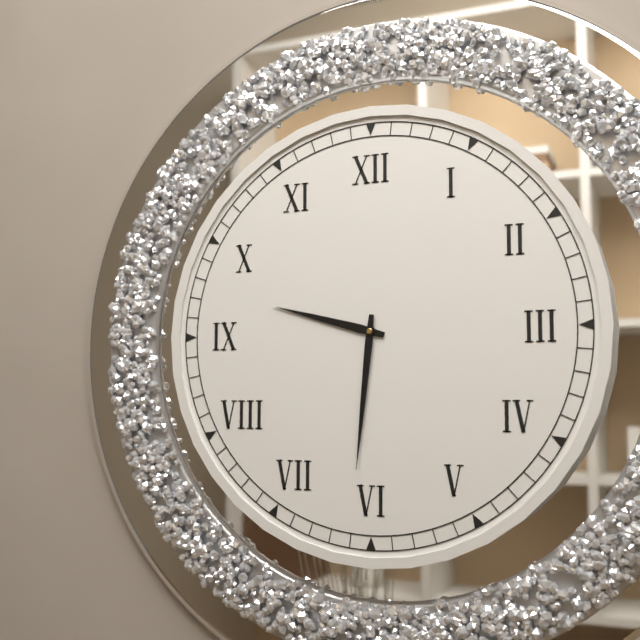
9:31
